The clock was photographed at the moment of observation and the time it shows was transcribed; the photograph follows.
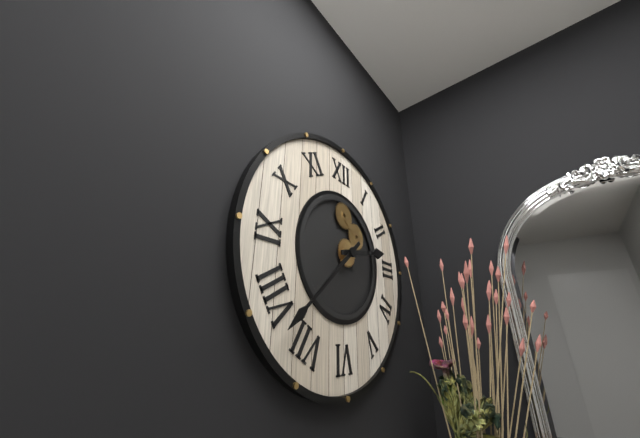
2:38
